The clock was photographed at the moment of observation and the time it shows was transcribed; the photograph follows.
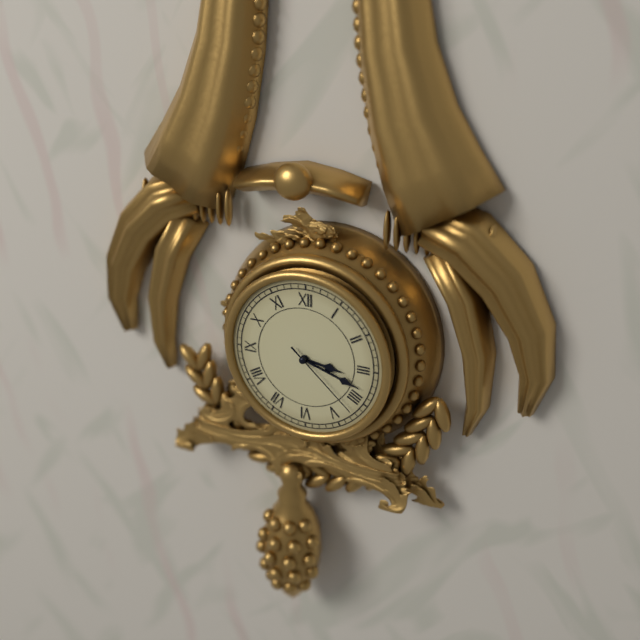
3:18:22
